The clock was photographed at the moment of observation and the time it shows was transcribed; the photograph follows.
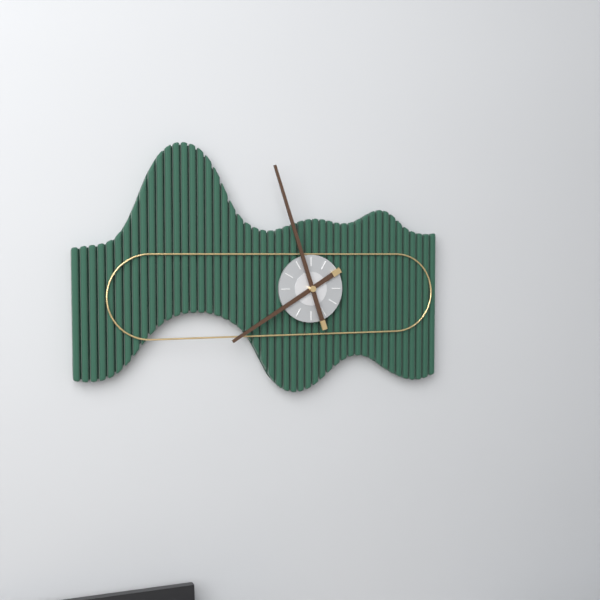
7:57
